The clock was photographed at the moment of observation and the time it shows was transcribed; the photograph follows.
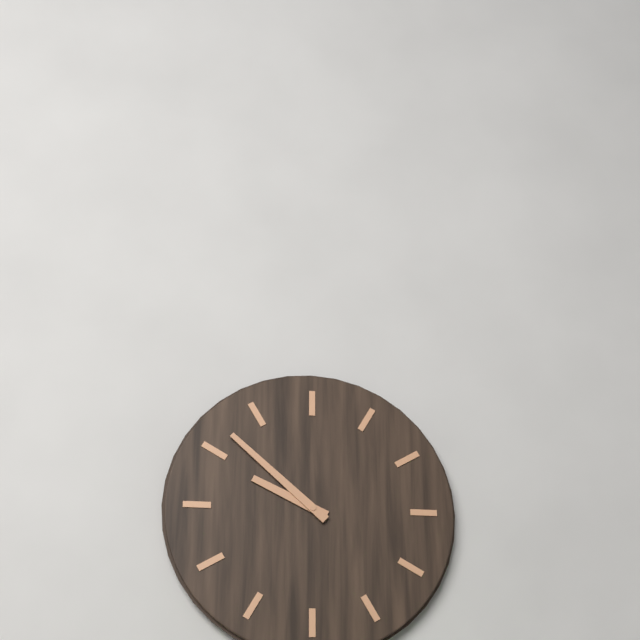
9:52
